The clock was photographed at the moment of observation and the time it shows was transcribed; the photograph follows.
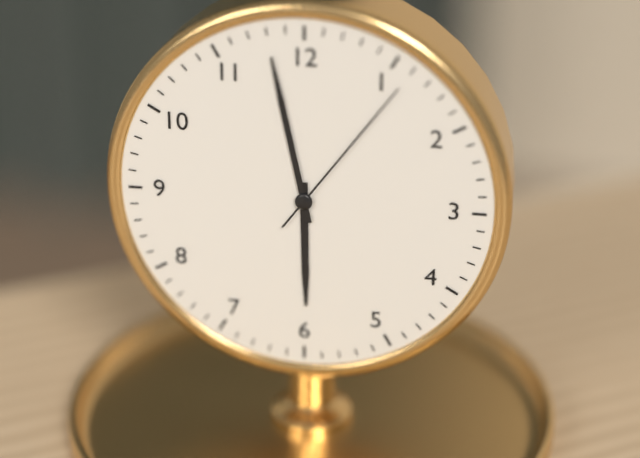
5:58:06
